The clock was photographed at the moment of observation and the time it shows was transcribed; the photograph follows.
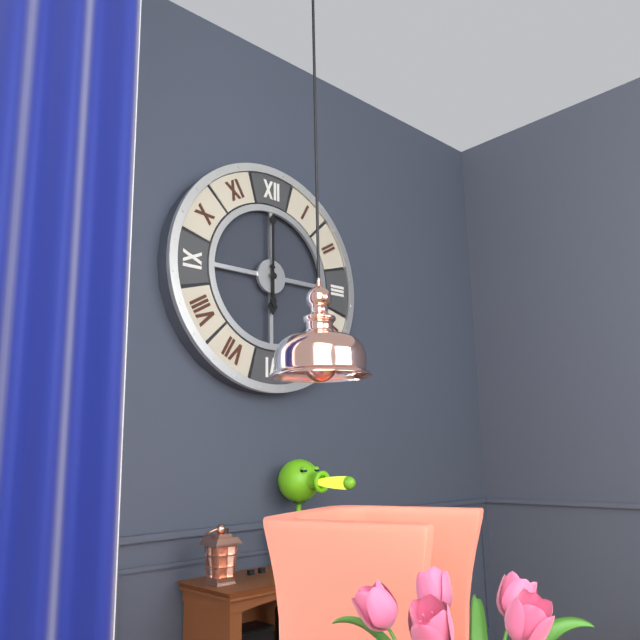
6:00
